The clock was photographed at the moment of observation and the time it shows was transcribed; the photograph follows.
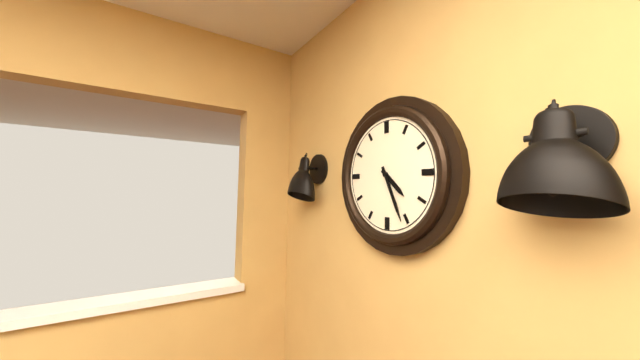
4:26
